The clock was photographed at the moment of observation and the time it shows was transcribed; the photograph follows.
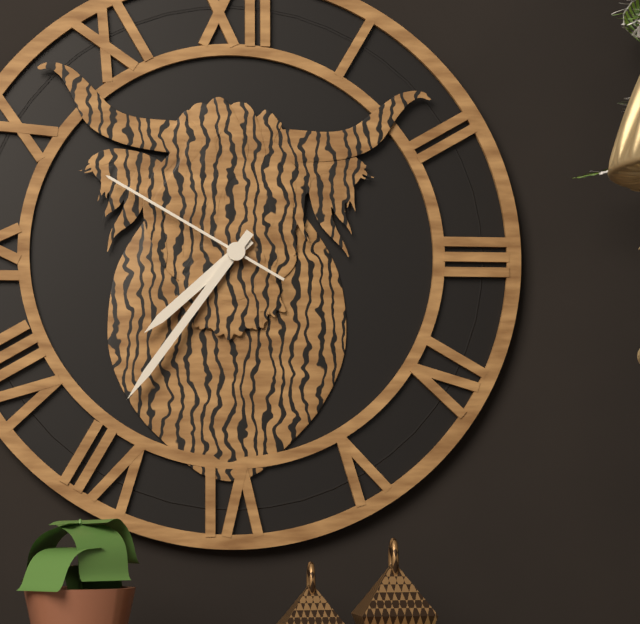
7:36:50
